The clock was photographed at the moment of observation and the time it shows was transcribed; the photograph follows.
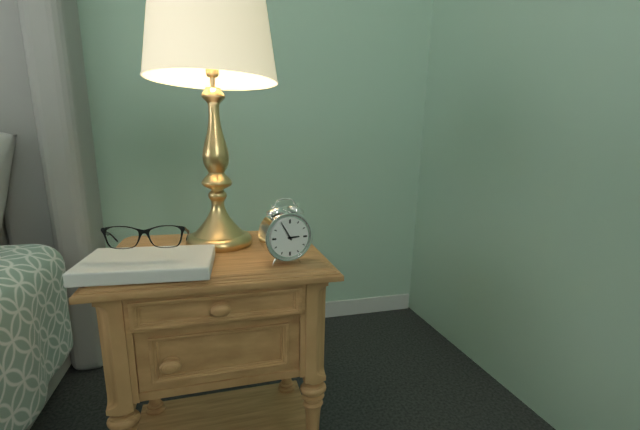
2:55
